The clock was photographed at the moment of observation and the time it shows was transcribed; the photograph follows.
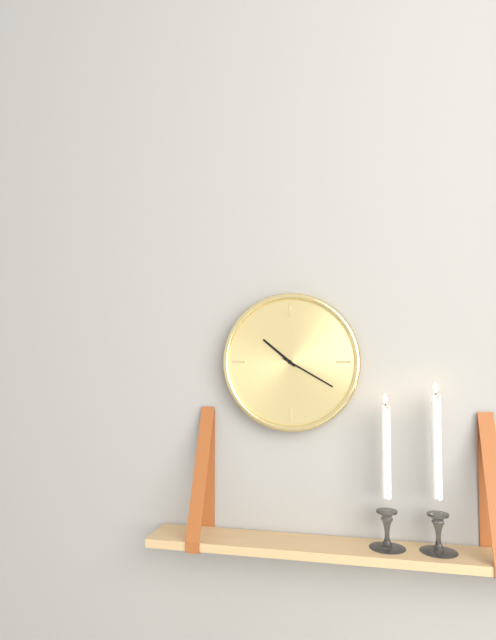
10:20
